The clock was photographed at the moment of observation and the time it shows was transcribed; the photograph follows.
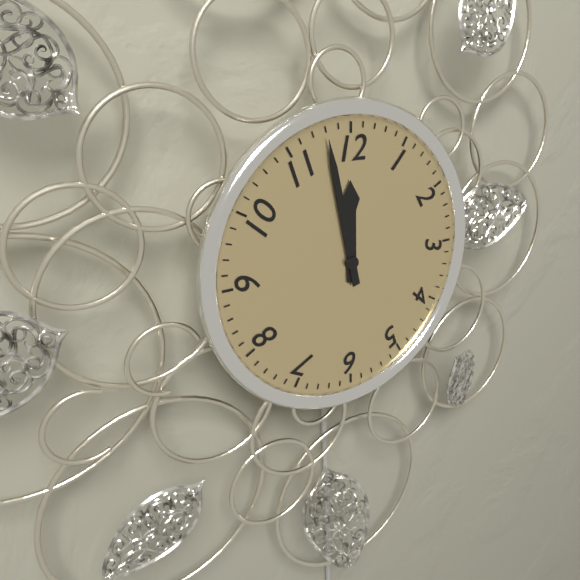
11:58
